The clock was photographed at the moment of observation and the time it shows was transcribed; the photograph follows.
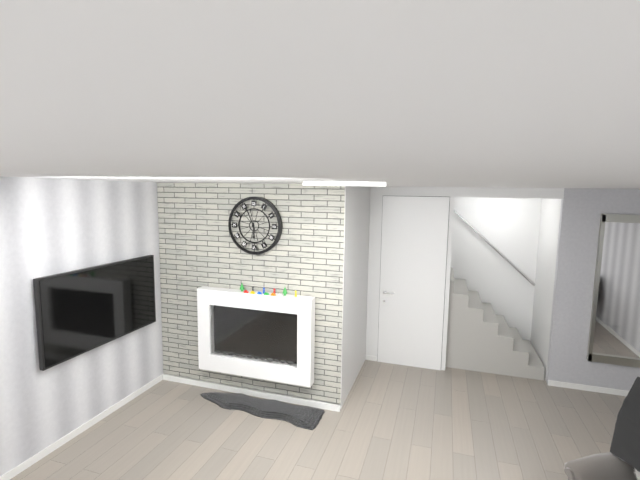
5:56
